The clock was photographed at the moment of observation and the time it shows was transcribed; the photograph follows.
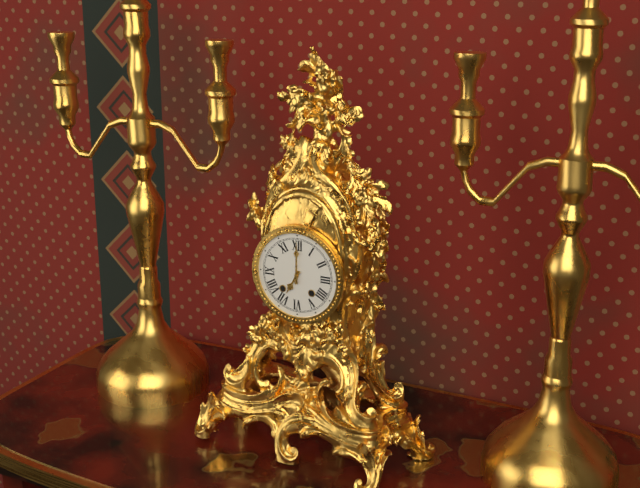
7:00
